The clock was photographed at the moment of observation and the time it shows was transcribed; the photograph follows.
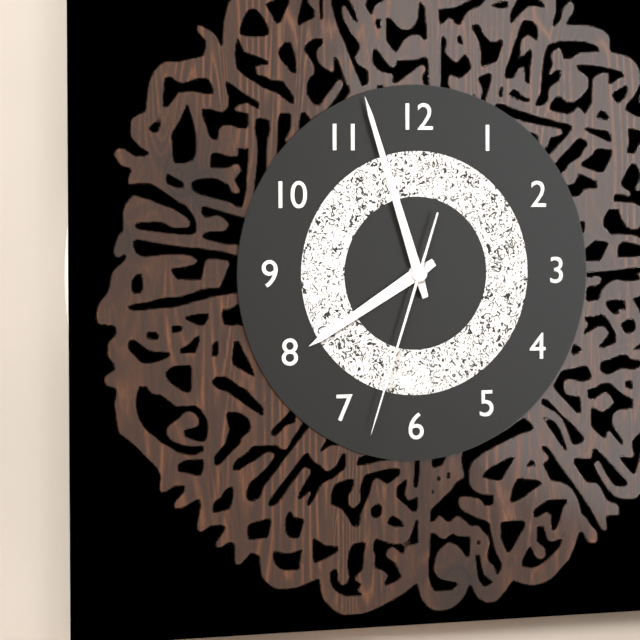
7:57:33
